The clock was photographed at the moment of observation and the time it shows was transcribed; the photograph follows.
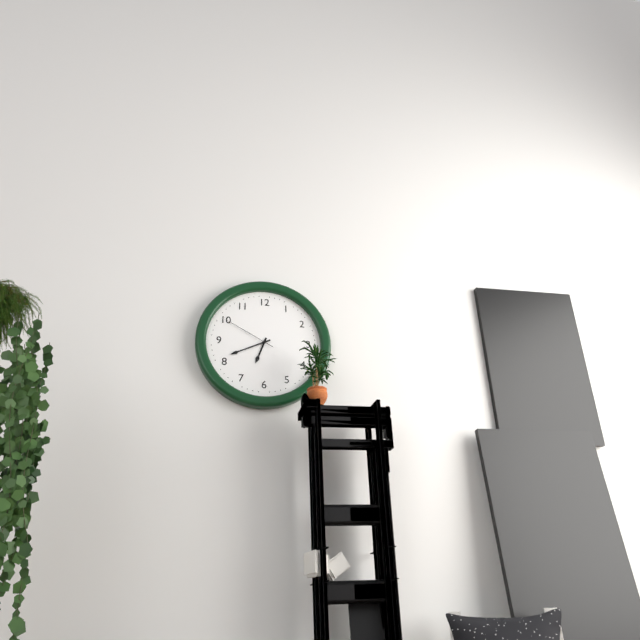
6:41:50
